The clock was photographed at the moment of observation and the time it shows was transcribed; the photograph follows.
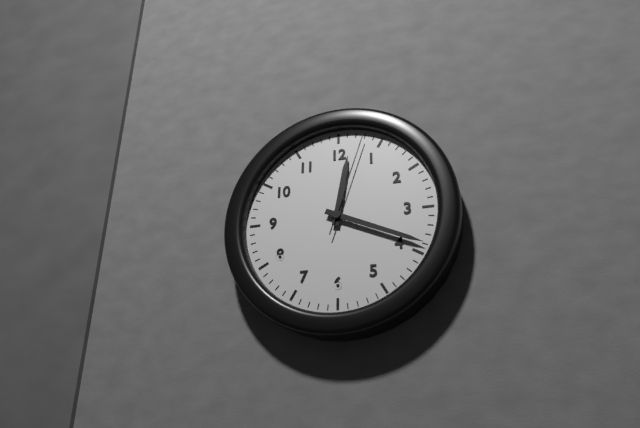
12:19:03
